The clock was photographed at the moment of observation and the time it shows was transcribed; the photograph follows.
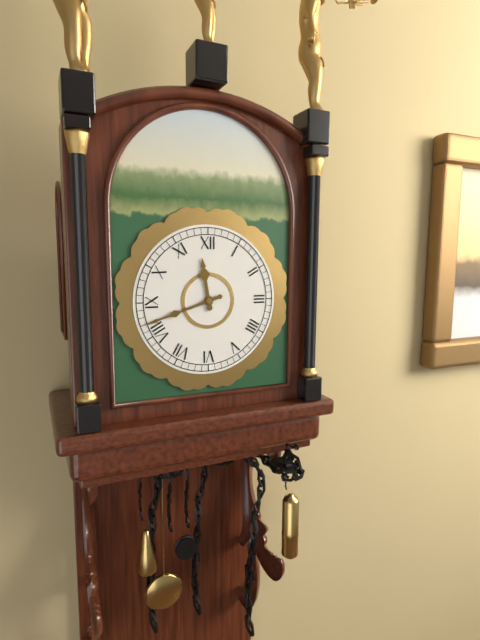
11:42
